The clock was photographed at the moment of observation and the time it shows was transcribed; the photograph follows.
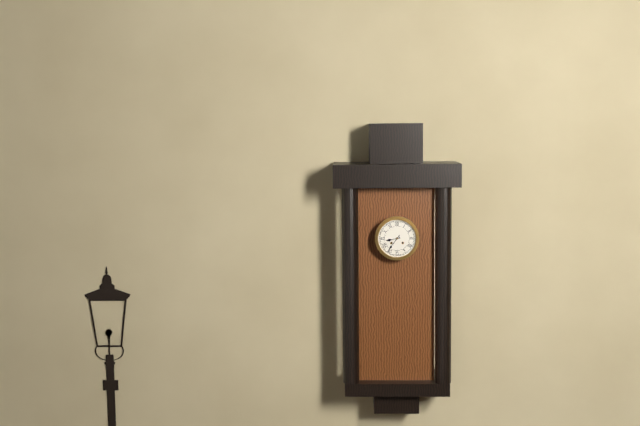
8:36
